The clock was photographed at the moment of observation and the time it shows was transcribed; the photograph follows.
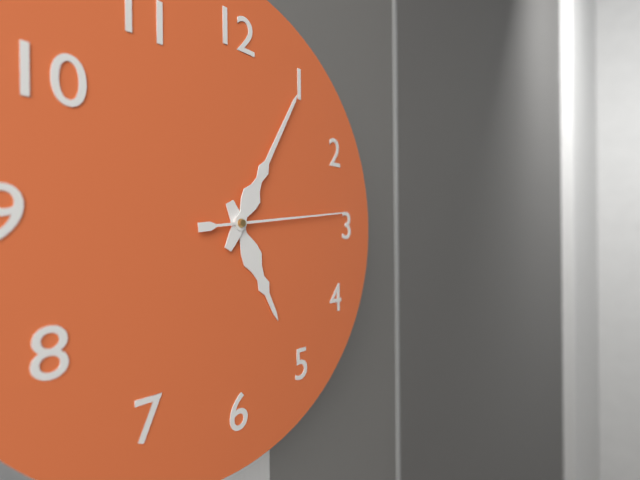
5:05:14
